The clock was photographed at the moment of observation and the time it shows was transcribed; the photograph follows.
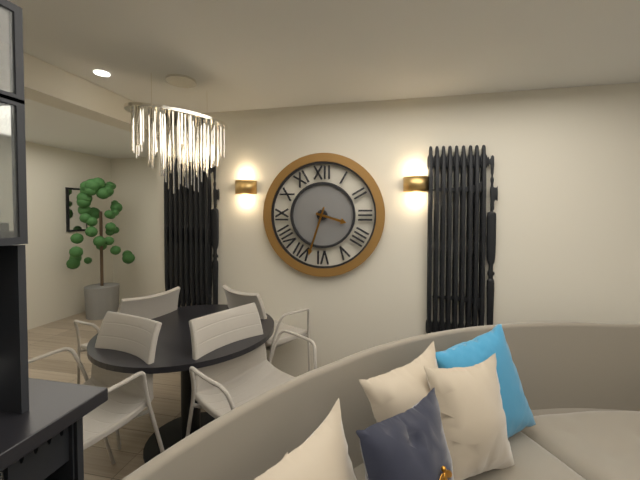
3:33
